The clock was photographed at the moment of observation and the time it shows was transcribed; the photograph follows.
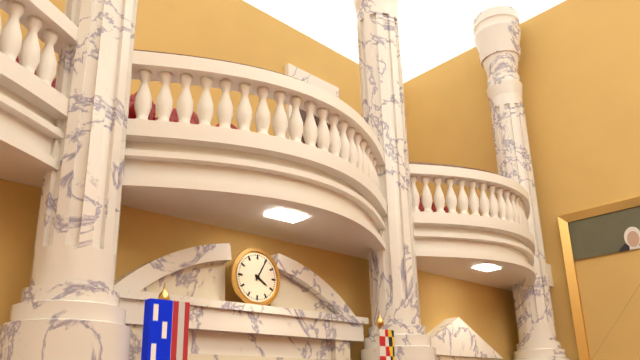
4:05
